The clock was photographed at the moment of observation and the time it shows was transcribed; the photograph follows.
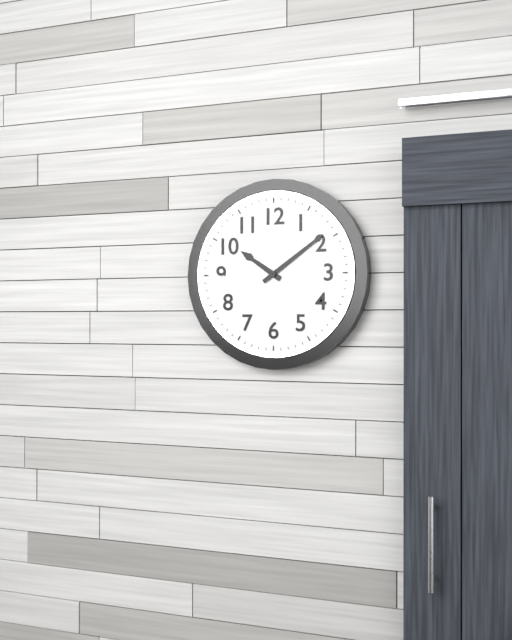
10:09
